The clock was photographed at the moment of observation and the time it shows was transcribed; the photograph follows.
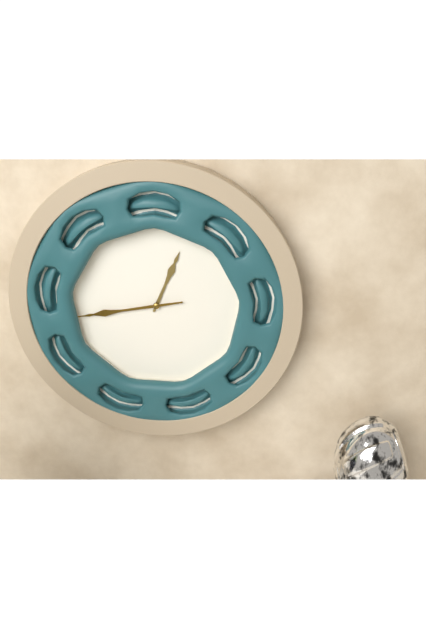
12:43
